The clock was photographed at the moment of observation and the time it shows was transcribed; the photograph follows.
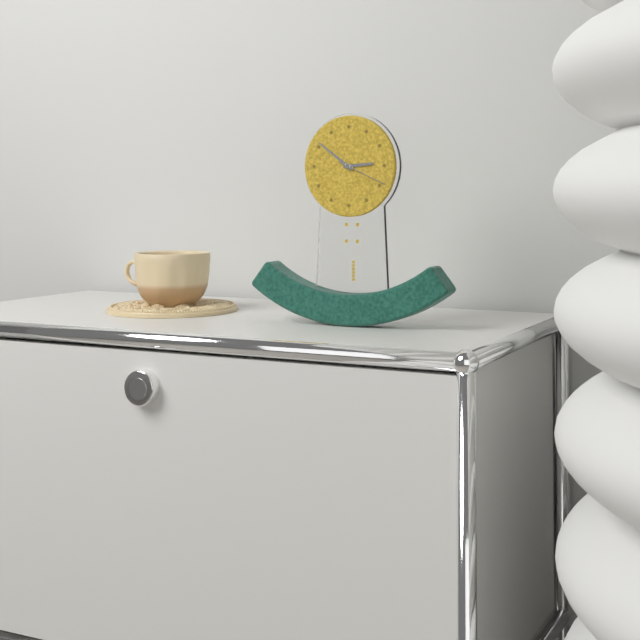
2:51:19
